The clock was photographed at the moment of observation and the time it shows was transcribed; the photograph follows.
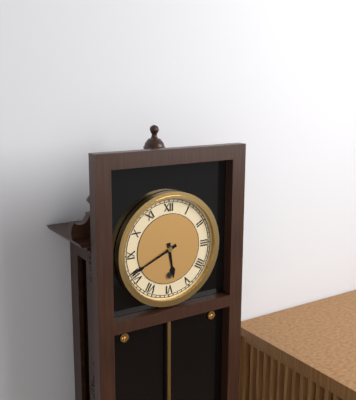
5:41
